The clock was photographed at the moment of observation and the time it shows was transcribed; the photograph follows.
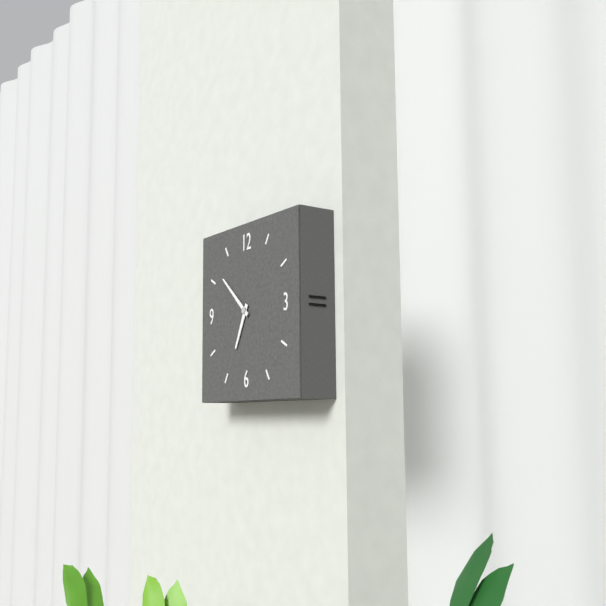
6:52
